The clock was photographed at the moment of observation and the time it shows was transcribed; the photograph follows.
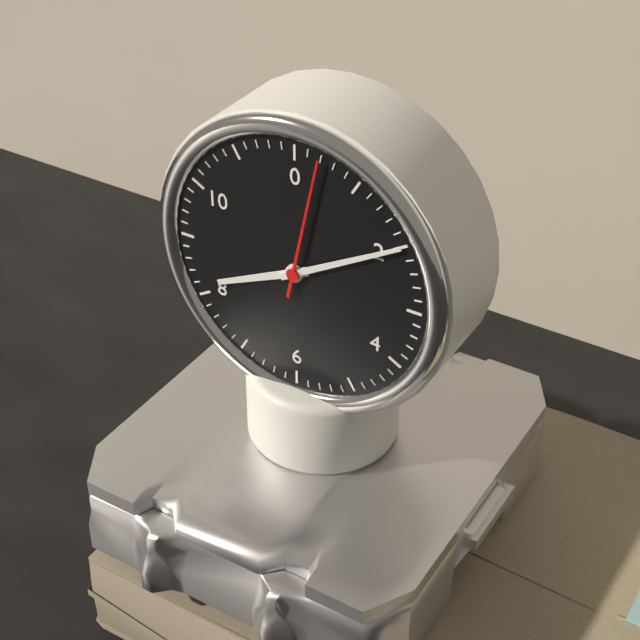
8:10:02
